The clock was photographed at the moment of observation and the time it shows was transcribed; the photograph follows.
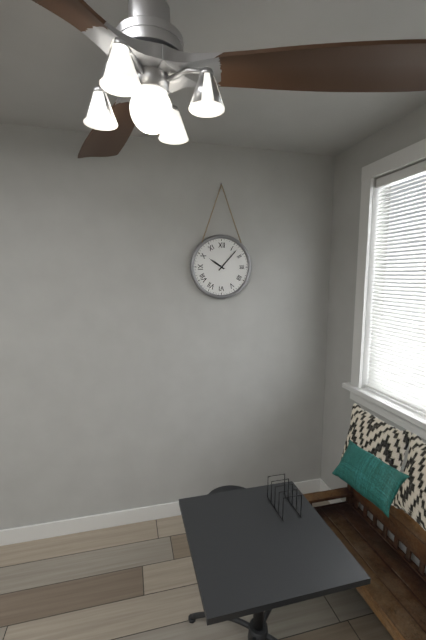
10:07
